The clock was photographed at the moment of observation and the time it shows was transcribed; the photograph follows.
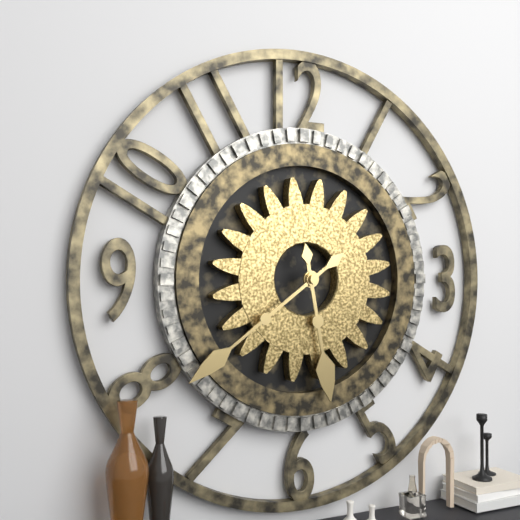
5:39
